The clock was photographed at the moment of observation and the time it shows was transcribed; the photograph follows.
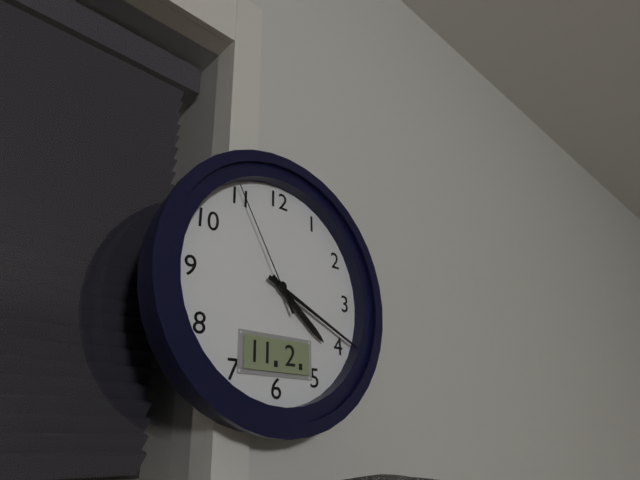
4:19:55
